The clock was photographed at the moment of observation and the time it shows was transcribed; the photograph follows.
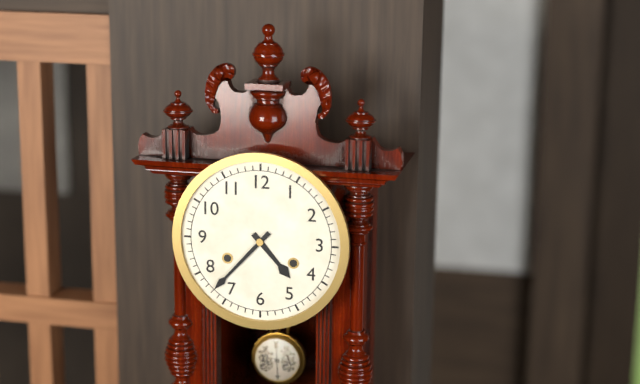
4:37
